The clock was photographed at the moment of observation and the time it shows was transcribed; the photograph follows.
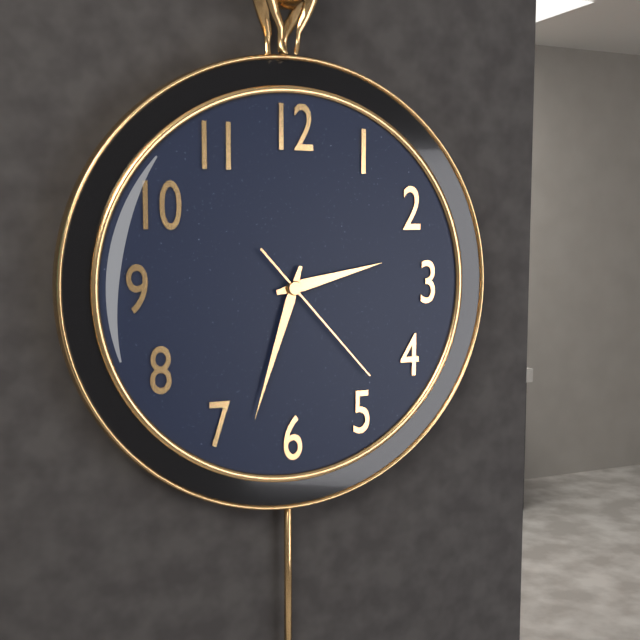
2:33:23
